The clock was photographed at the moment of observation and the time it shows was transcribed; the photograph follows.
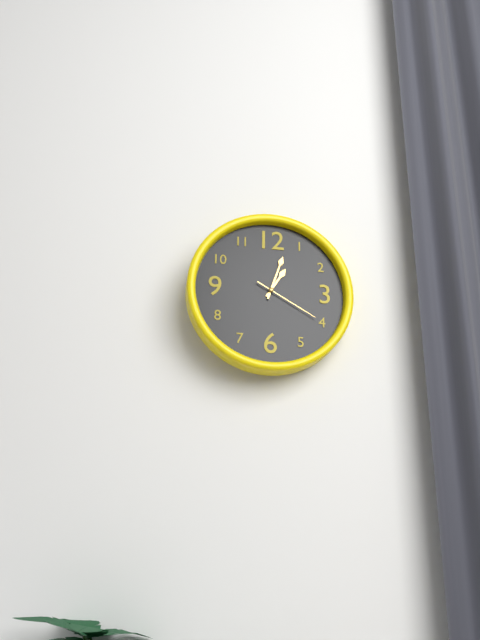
1:03:20
